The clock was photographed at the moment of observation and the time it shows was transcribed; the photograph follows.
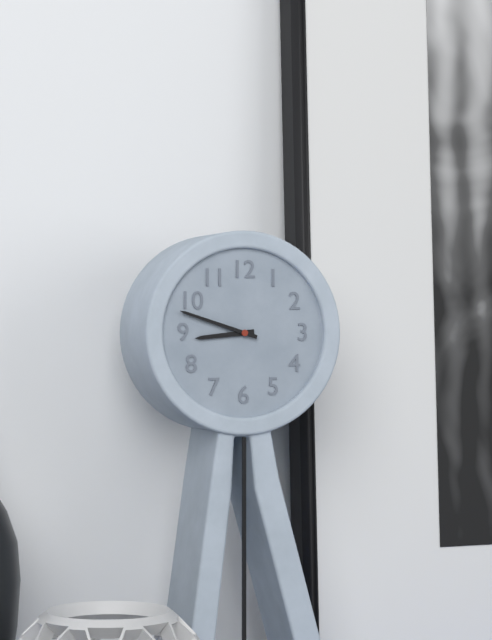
8:48
